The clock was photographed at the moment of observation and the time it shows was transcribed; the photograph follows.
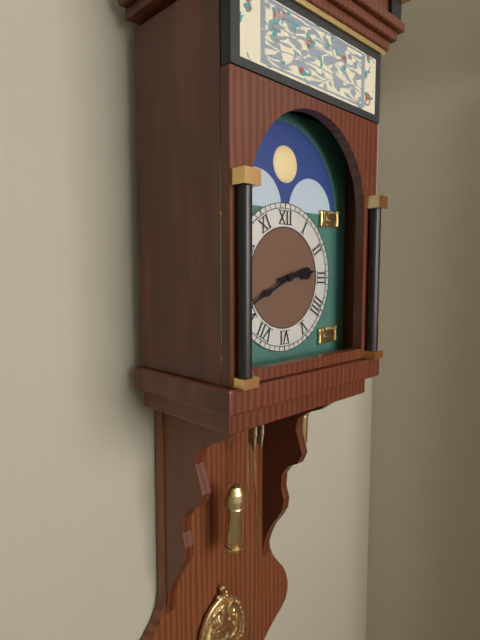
2:41
